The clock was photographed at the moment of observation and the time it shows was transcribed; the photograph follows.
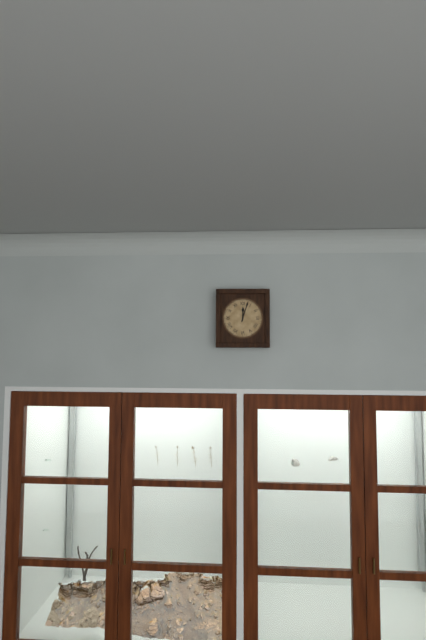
12:03
